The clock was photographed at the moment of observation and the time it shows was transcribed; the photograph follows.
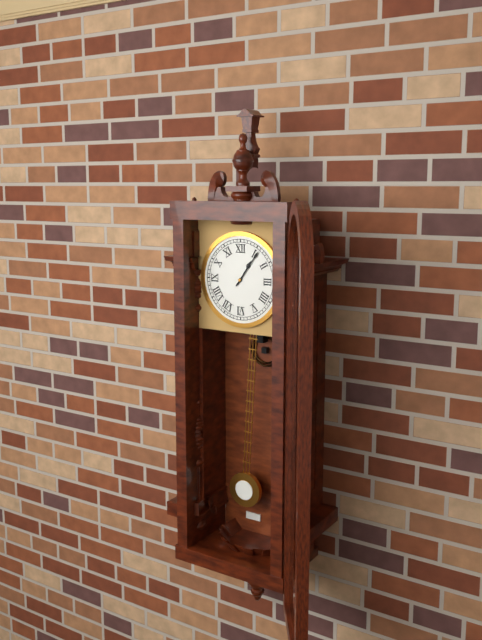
1:06
